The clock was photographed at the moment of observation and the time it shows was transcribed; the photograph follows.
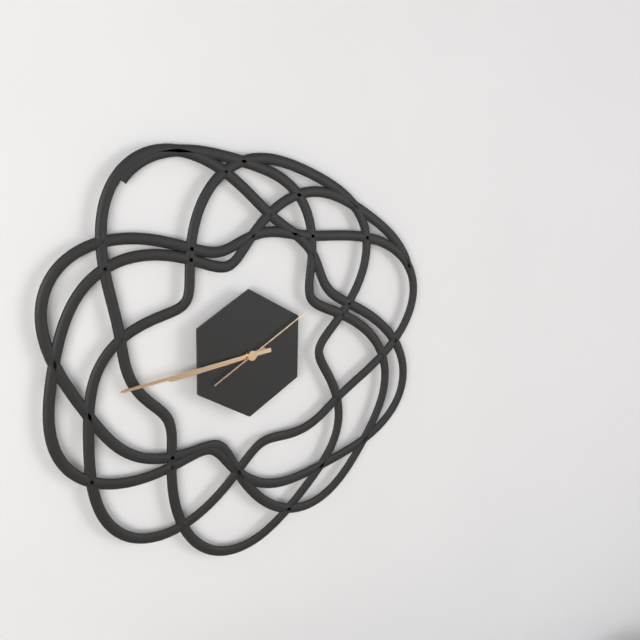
8:44:10
